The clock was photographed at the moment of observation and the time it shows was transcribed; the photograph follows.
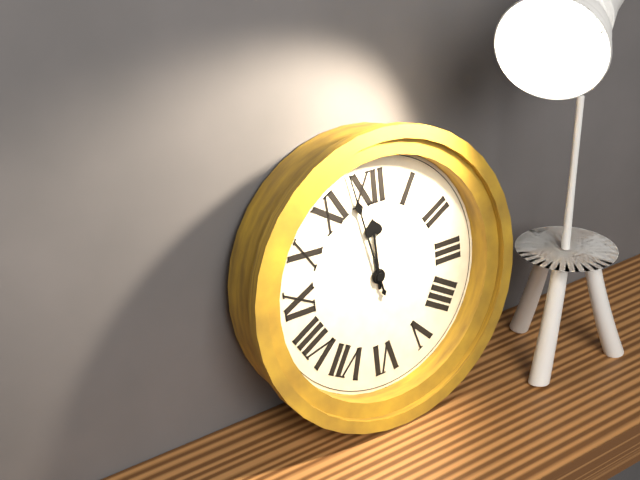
11:58
